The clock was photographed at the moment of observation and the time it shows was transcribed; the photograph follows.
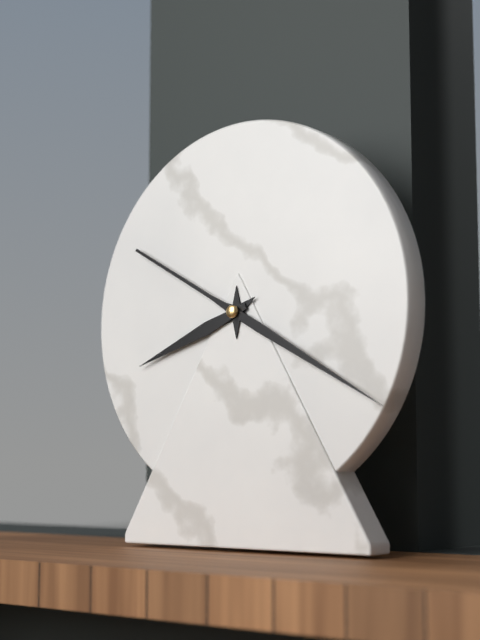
8:20
